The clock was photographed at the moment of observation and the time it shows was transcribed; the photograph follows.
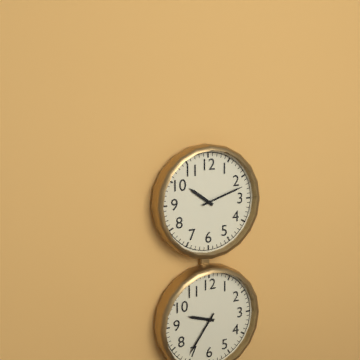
10:12
